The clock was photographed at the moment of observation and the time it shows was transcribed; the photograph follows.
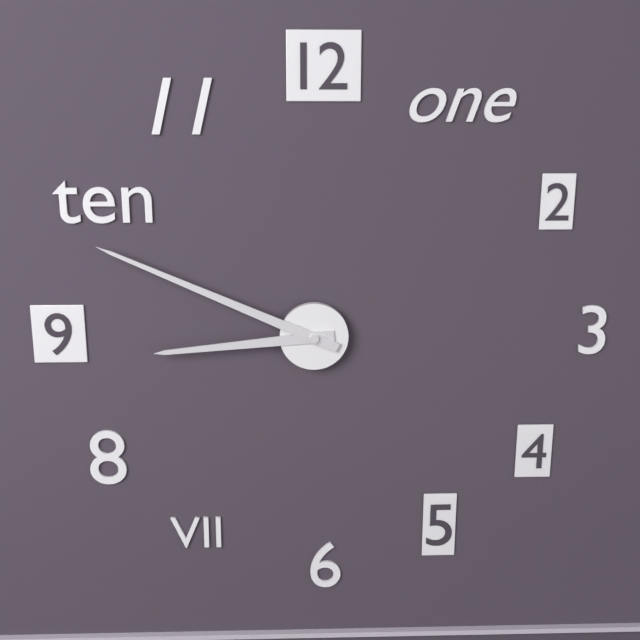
8:49
